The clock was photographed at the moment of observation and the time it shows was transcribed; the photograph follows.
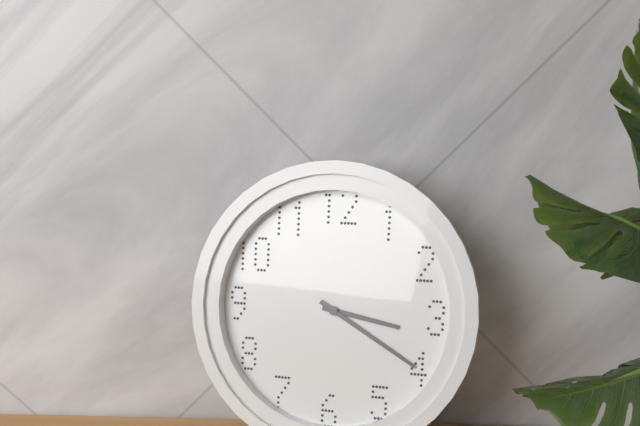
3:20
